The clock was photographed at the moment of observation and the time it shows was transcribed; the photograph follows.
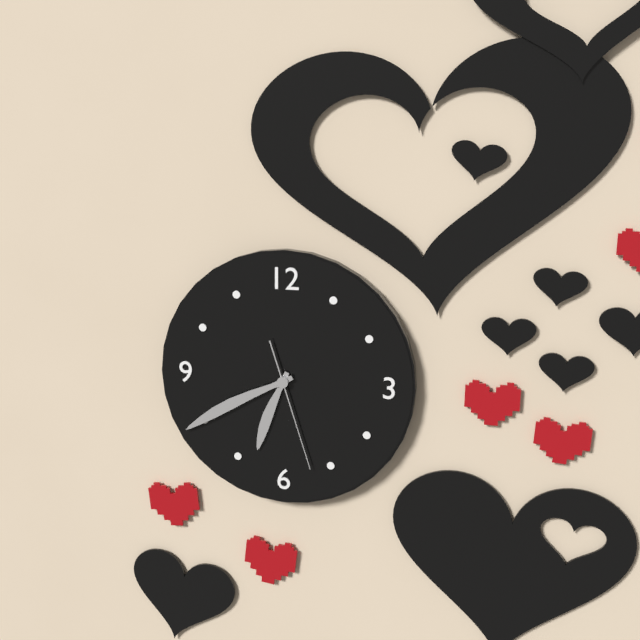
6:40:27
